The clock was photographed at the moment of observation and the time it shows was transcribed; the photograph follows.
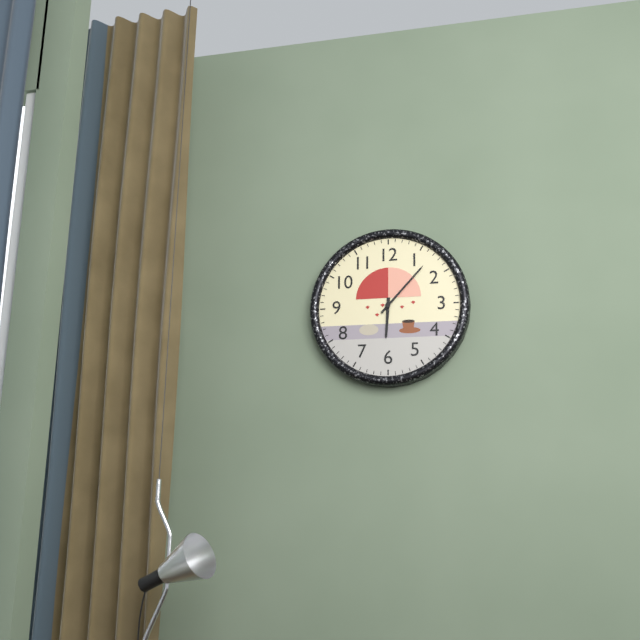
6:07
